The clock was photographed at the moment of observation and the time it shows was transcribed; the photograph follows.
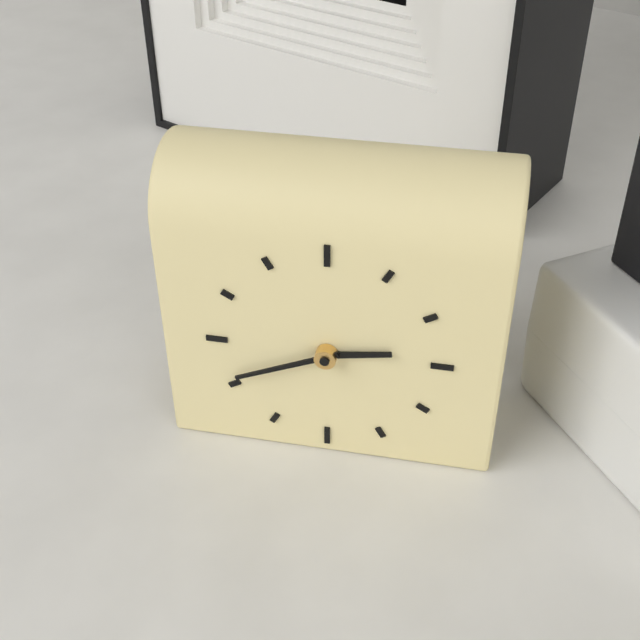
2:41
